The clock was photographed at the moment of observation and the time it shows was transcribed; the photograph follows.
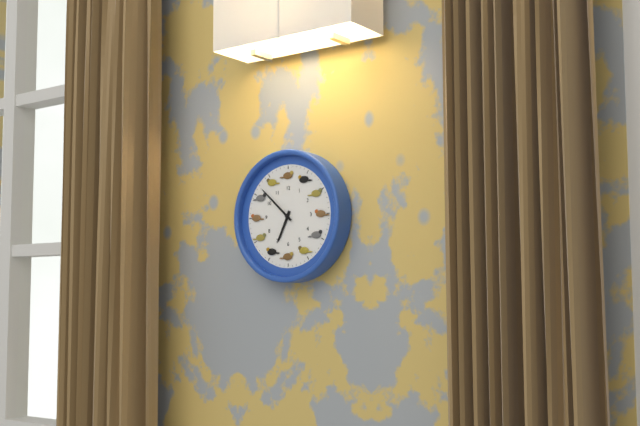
6:52
